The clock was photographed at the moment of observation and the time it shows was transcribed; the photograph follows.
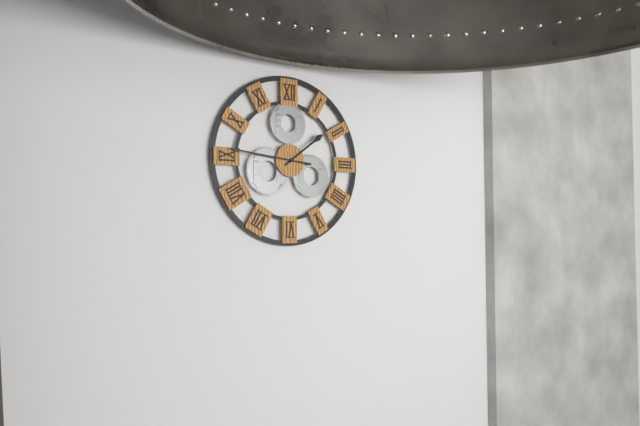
1:46
